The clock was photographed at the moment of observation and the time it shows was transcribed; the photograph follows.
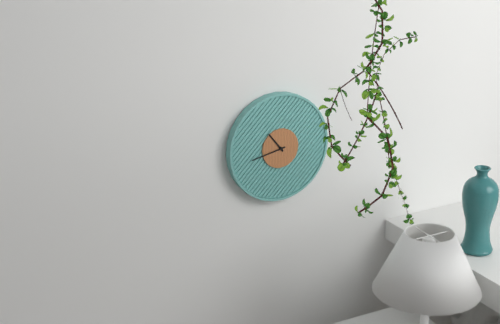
10:43
